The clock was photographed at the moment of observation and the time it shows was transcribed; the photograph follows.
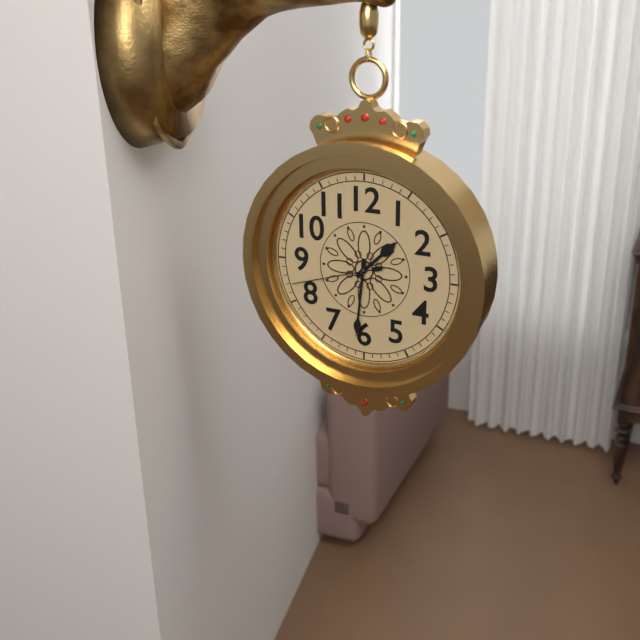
1:31:42
